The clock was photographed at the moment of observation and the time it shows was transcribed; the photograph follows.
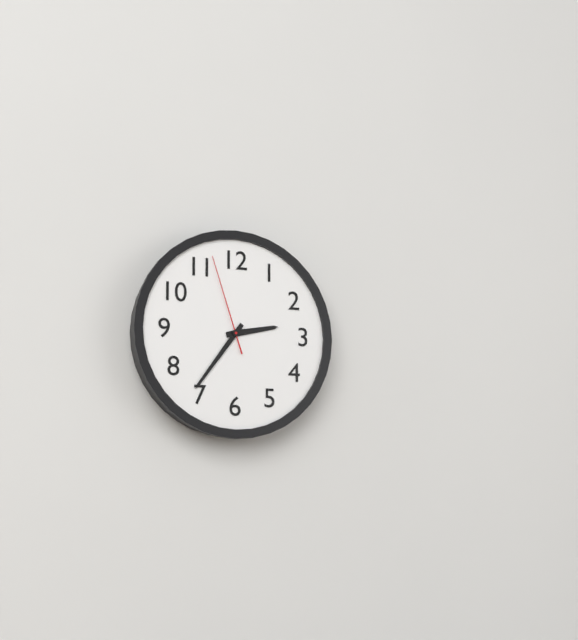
2:36:57
